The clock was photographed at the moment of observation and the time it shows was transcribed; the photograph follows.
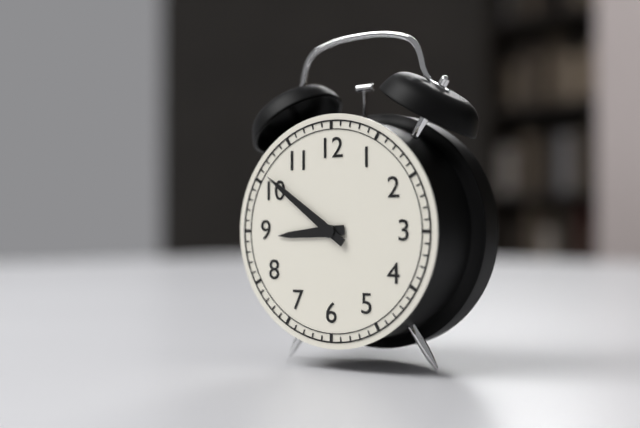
8:51
